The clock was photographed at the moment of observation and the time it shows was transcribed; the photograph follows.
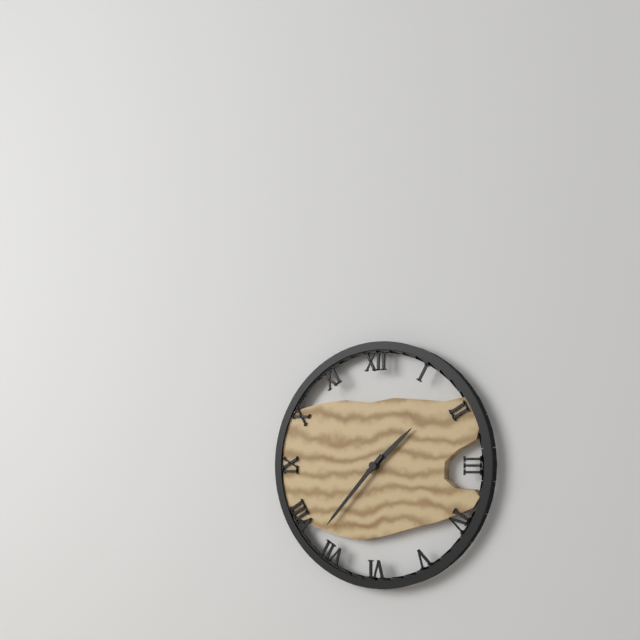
1:37
